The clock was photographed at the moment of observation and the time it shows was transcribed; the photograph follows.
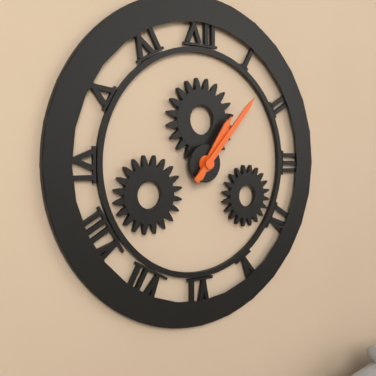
1:07
